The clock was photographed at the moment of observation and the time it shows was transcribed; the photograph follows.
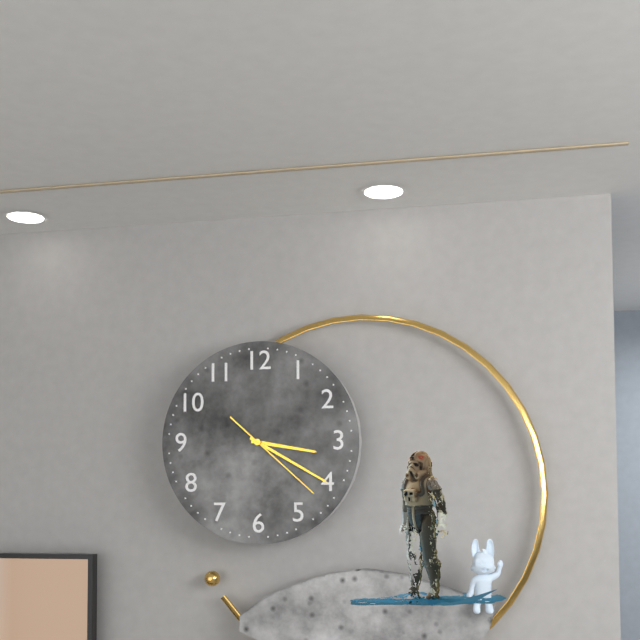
3:20:22
